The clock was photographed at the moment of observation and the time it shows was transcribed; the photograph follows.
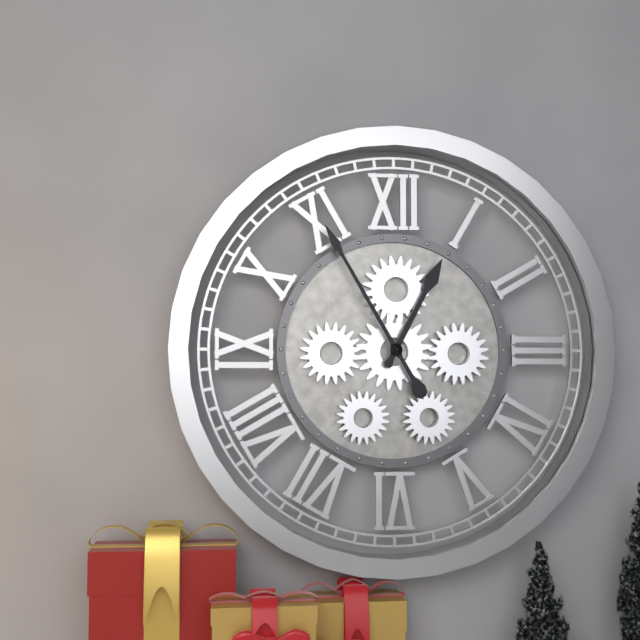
12:55
